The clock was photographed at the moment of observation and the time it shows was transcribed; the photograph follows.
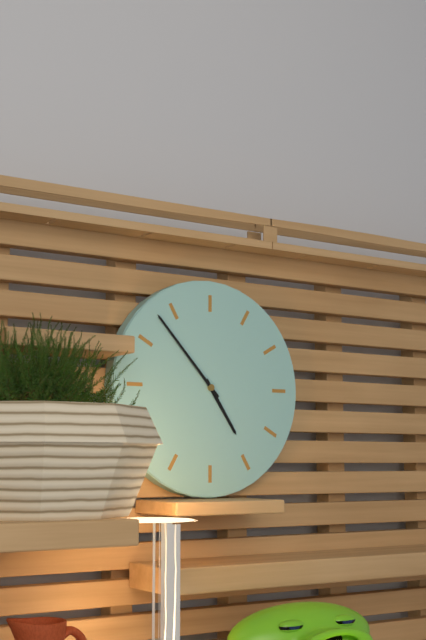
4:53
